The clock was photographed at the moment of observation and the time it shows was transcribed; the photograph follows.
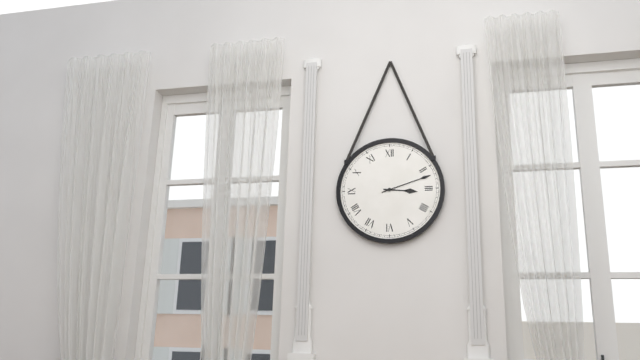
3:12
